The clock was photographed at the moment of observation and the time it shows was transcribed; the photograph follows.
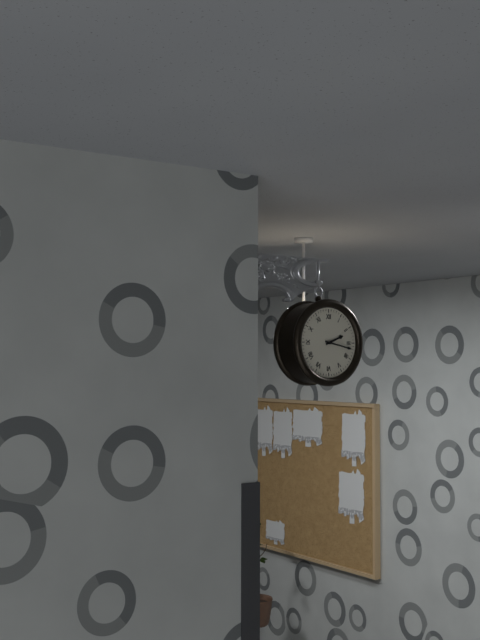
2:17
